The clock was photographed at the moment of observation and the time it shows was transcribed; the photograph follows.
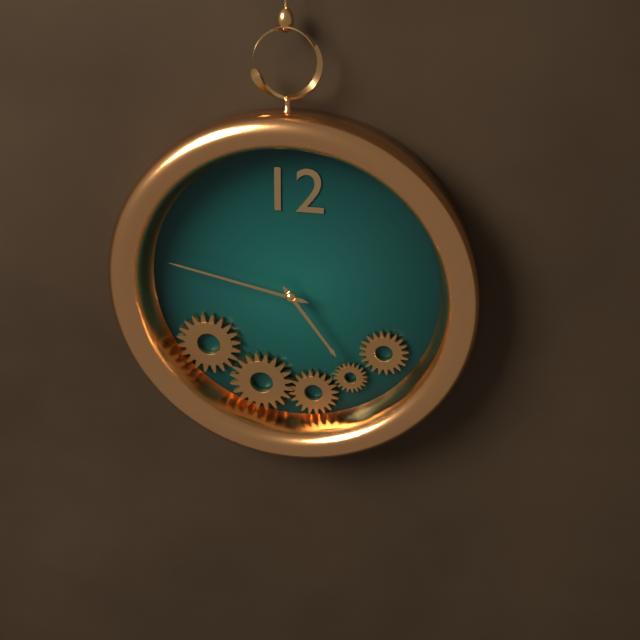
4:47
